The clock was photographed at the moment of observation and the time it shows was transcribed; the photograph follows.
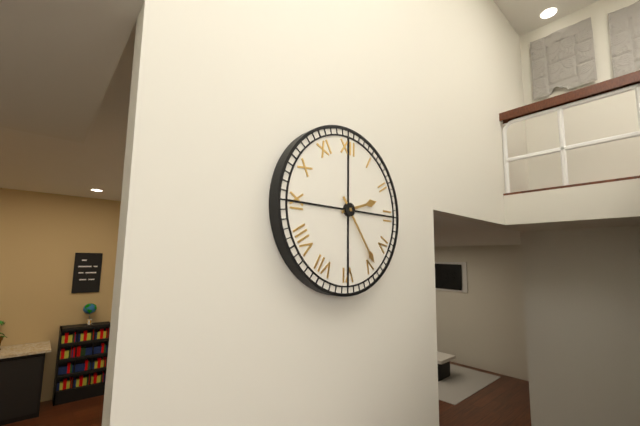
2:24
